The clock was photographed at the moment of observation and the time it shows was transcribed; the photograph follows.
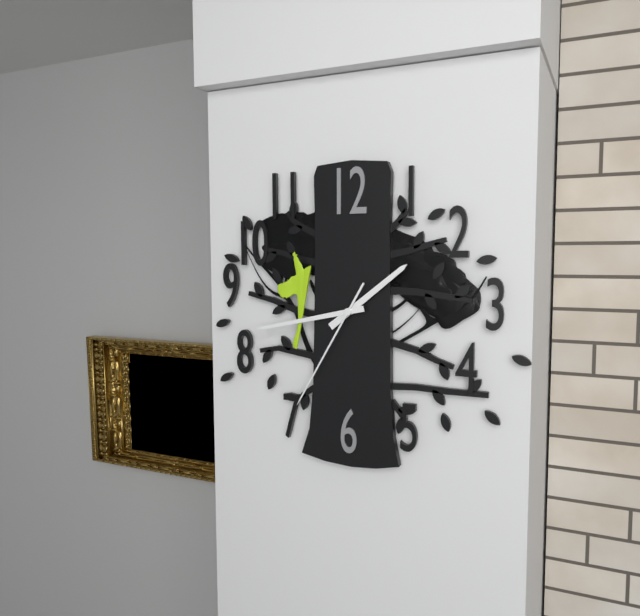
1:43:35
